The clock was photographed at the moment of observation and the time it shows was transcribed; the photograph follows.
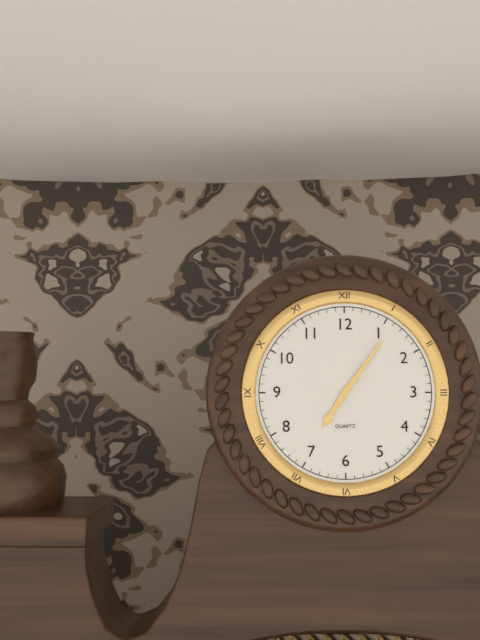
7:06
